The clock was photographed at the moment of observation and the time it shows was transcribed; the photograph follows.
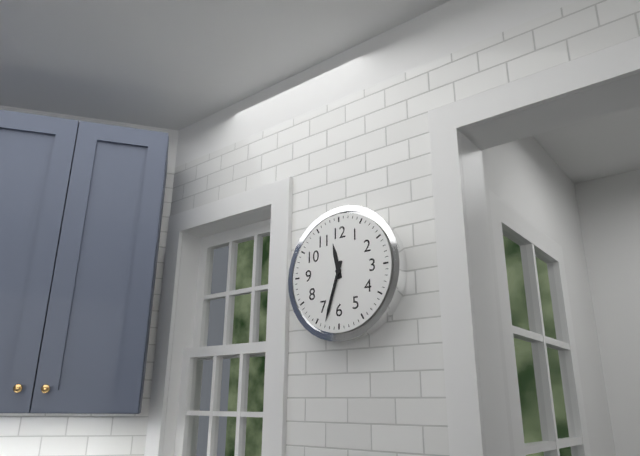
11:33
